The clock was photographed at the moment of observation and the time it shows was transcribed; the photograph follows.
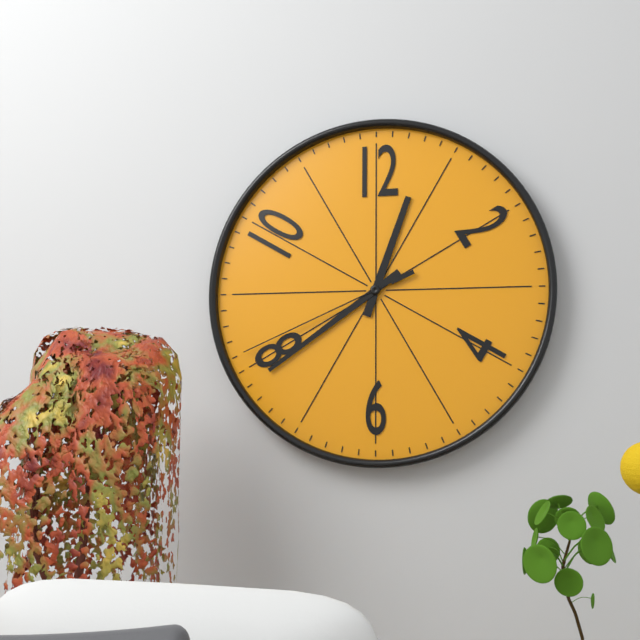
12:39:41
